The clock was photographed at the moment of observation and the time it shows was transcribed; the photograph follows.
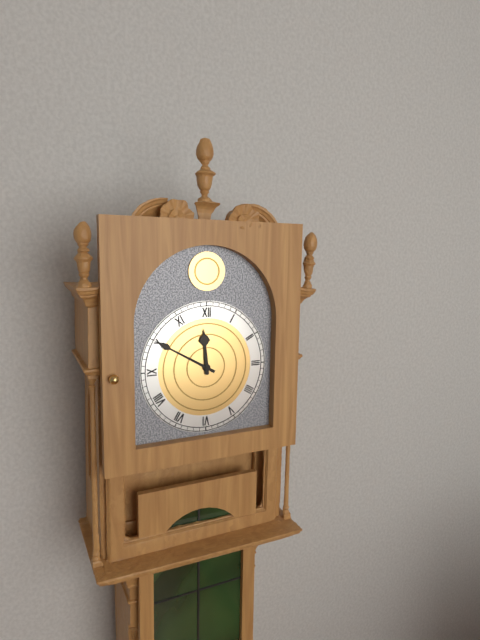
11:50
